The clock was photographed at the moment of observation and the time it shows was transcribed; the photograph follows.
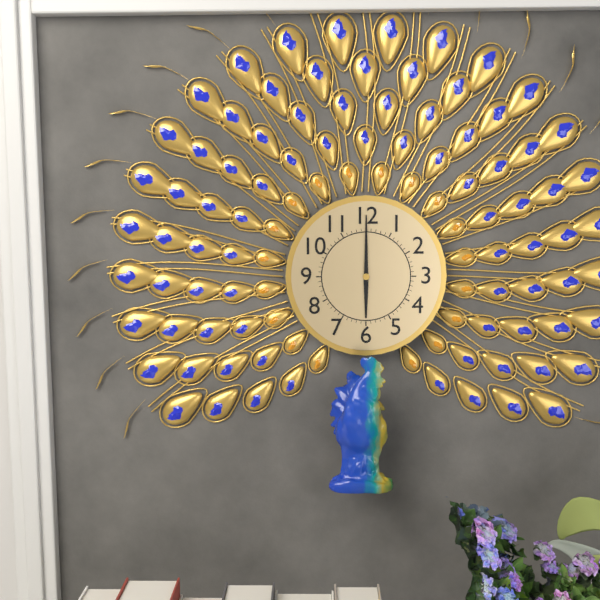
6:00
